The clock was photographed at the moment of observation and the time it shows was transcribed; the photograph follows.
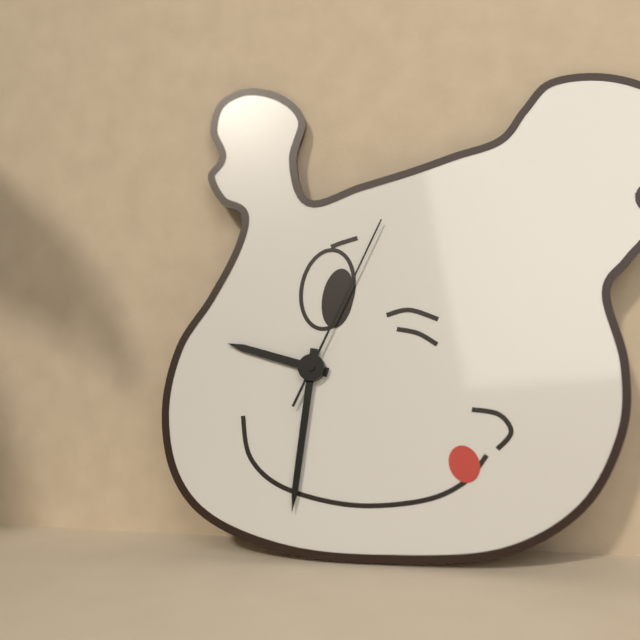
9:31:04
